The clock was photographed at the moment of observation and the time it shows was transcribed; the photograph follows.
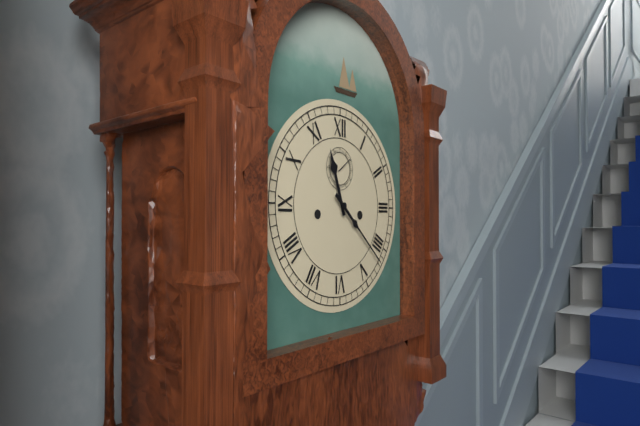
11:22
